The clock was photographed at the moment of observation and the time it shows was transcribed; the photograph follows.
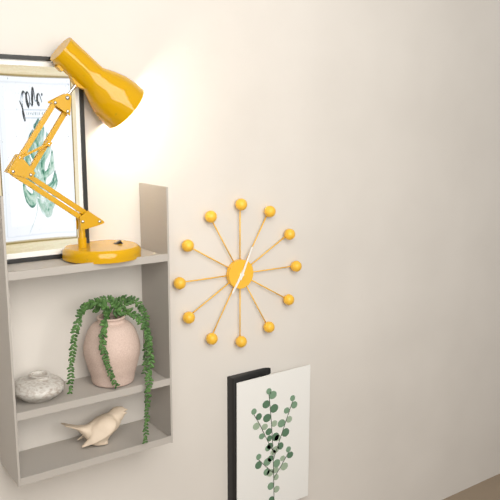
7:04
